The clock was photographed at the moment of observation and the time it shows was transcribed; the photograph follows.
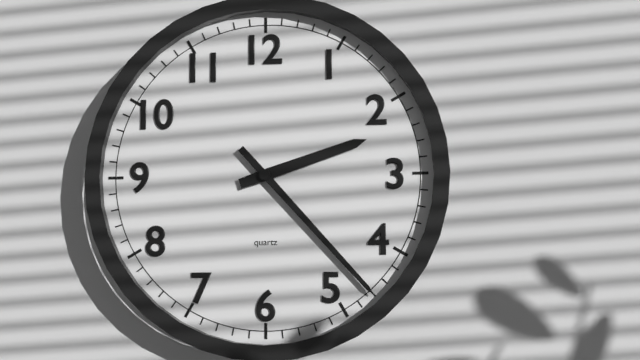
2:23
